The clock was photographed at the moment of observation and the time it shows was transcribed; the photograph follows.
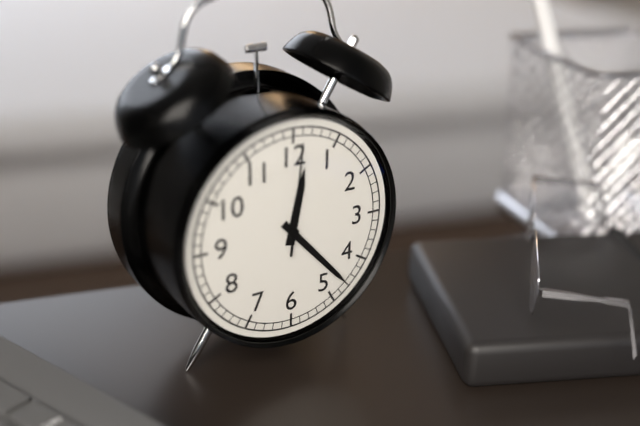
12:23:01
